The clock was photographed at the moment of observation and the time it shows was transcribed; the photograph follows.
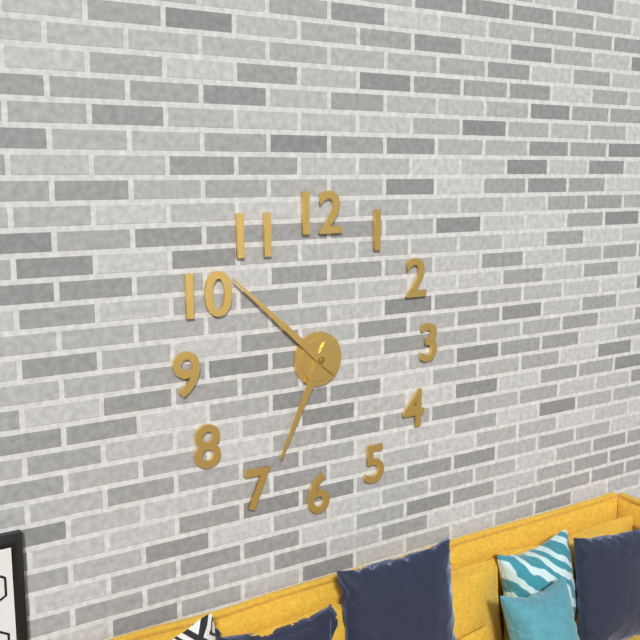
6:52
